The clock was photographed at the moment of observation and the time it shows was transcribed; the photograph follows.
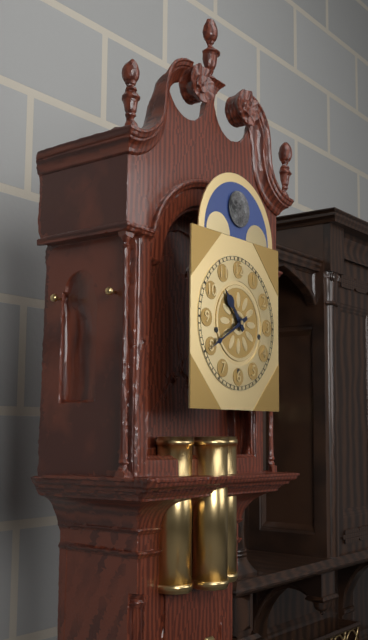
10:40
